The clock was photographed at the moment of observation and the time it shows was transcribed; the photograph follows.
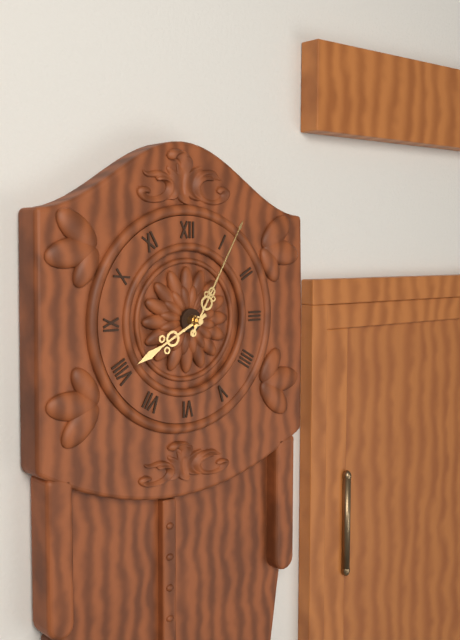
8:05
